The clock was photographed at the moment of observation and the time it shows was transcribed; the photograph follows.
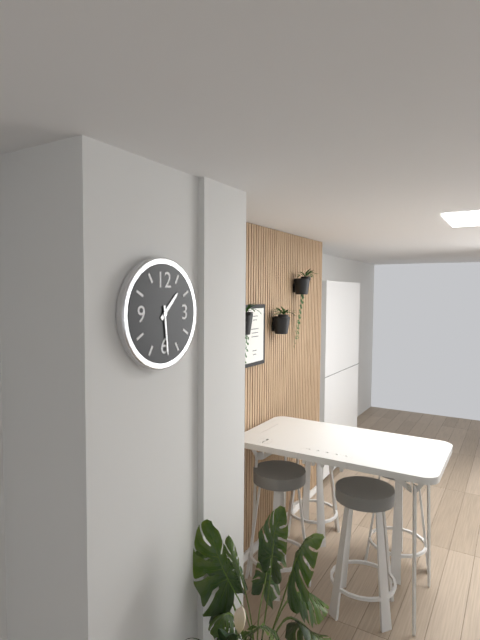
1:29
